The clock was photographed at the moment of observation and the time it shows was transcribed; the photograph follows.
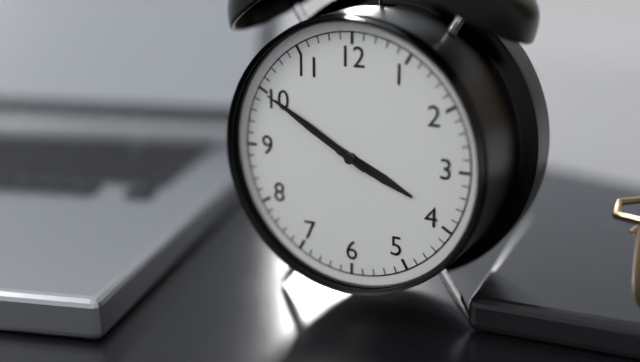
3:50:50
